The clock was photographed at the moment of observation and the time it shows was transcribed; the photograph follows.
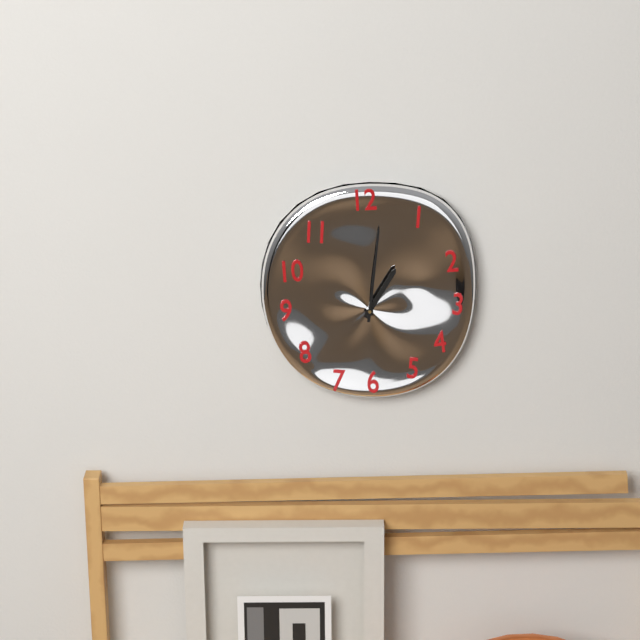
1:01
